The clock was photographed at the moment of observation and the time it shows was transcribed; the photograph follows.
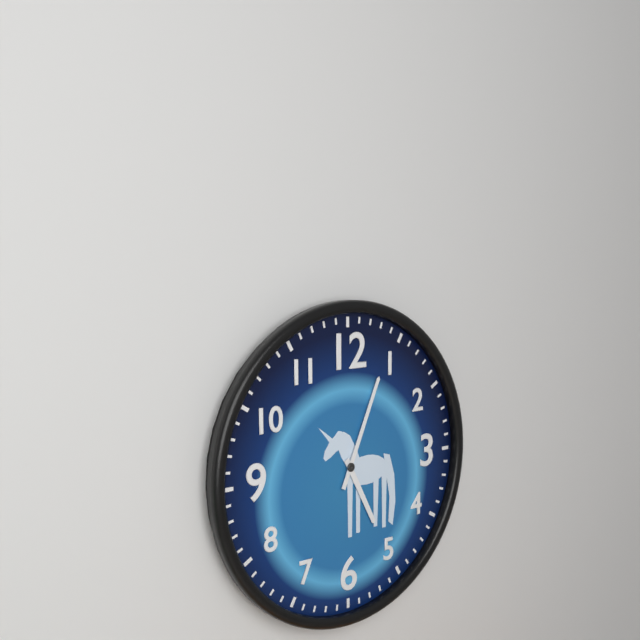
5:04
